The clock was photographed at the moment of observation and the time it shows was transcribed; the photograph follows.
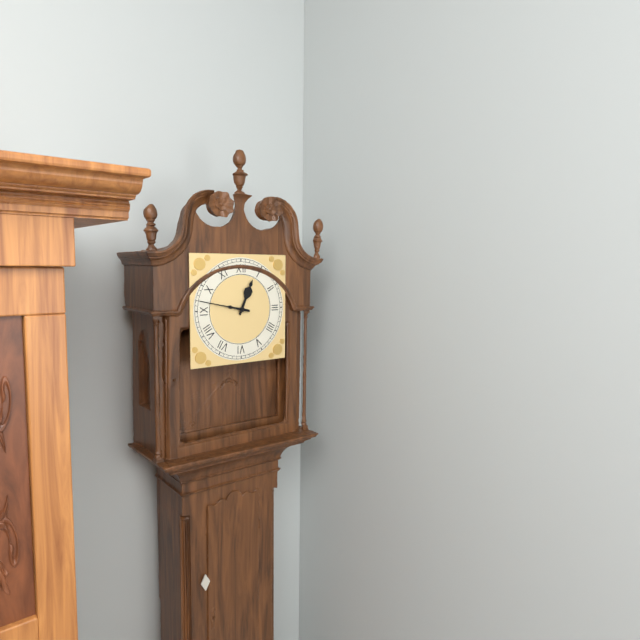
12:47
